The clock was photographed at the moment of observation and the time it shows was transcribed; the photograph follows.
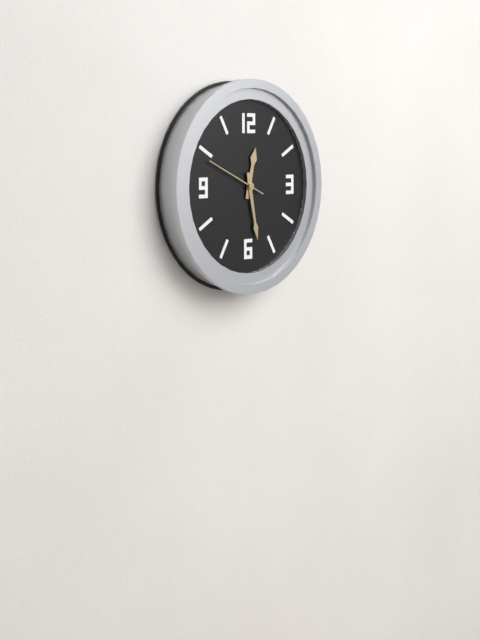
12:28:49
